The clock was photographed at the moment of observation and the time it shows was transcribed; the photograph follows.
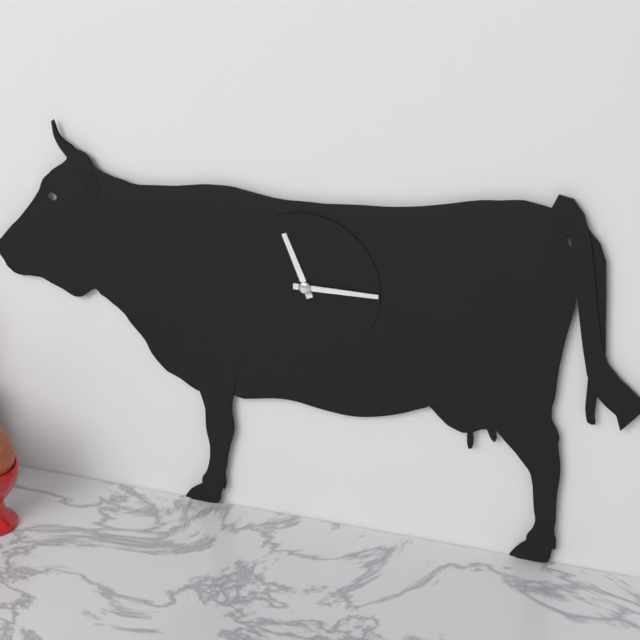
11:15
